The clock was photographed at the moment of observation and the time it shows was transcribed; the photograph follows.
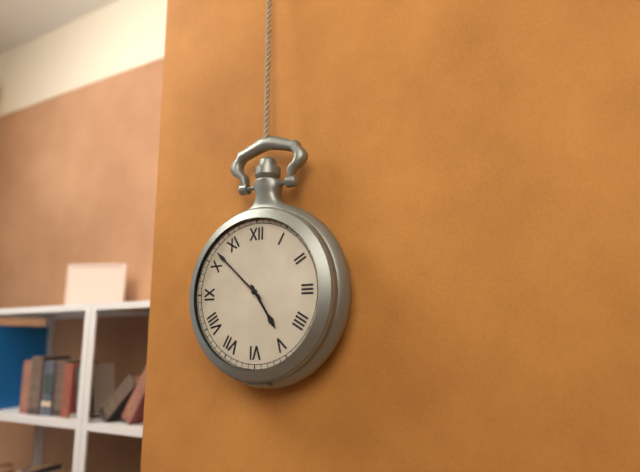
4:52
